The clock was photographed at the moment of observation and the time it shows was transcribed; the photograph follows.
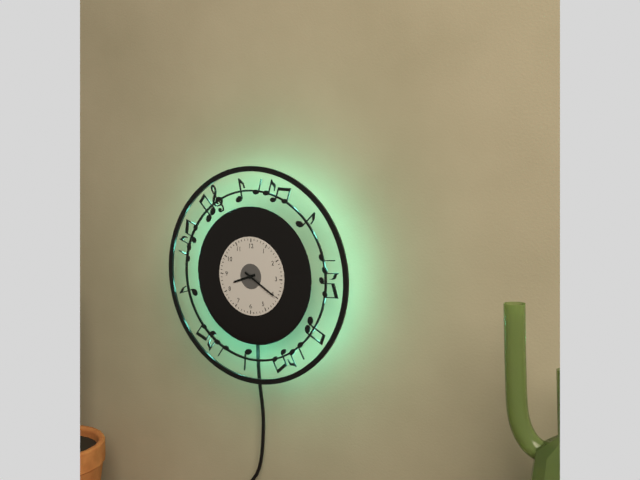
8:20
